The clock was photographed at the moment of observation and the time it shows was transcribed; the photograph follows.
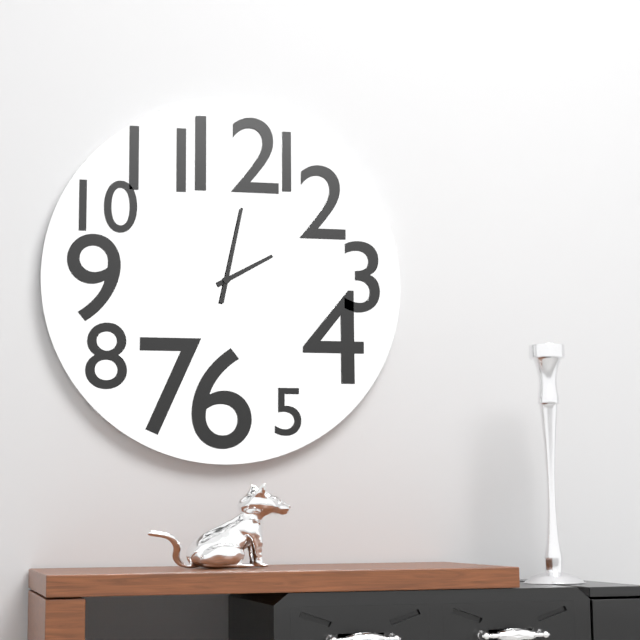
2:02
